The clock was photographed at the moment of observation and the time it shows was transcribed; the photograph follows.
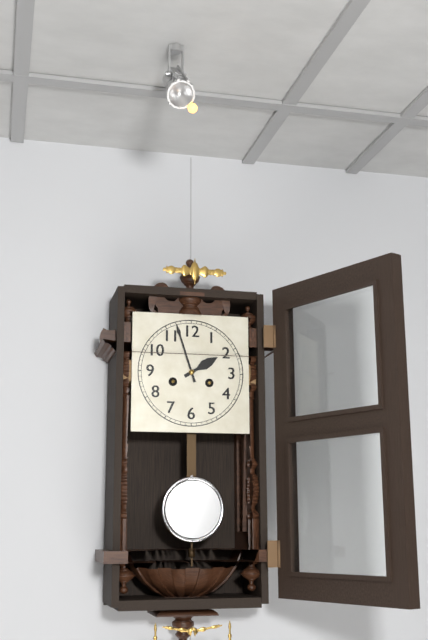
1:57
